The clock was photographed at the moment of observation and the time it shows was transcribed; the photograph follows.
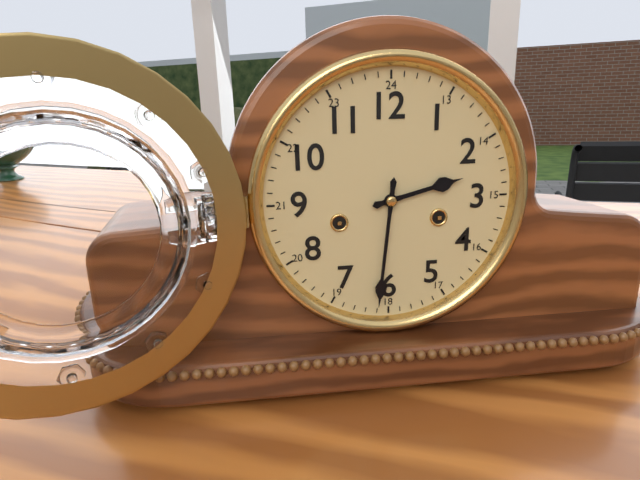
2:31
